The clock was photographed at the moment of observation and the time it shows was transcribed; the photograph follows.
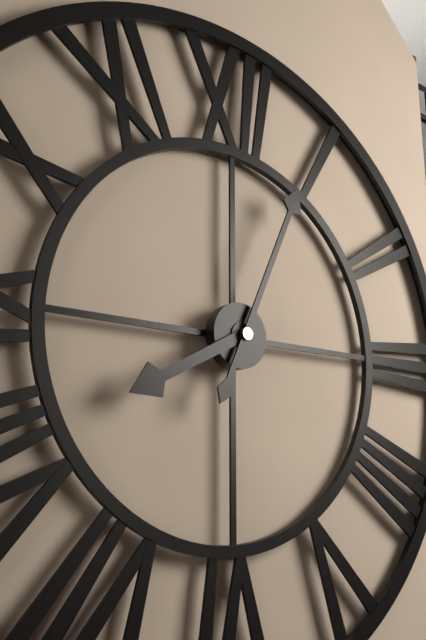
8:04
